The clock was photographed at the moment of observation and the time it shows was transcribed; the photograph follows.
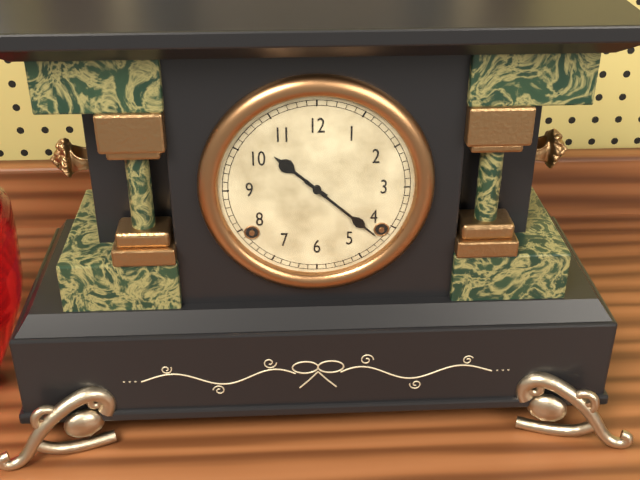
10:22
